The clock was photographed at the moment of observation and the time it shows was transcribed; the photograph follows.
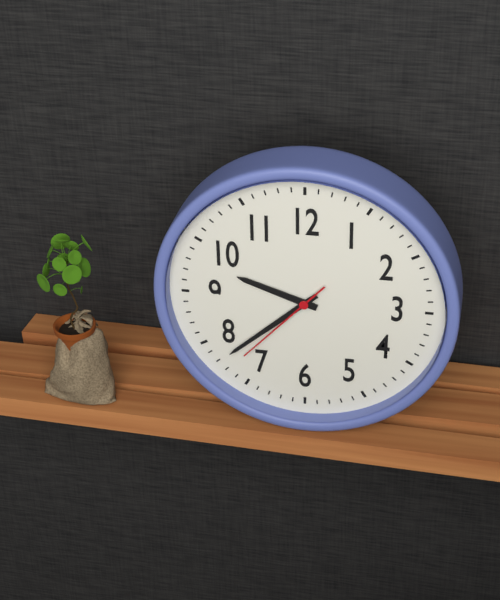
9:38:37
